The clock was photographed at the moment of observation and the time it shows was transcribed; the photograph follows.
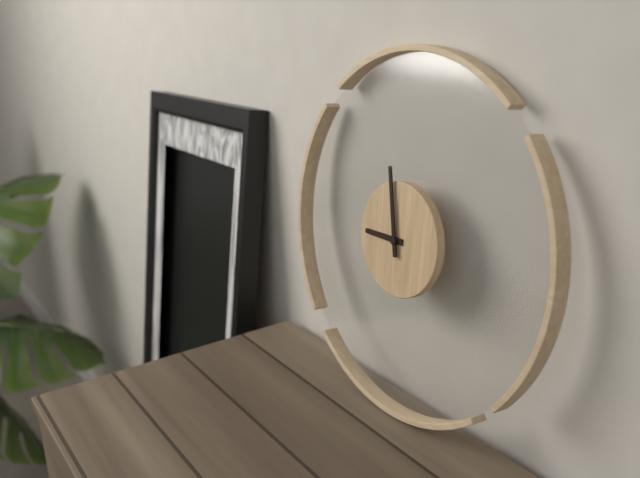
8:58
